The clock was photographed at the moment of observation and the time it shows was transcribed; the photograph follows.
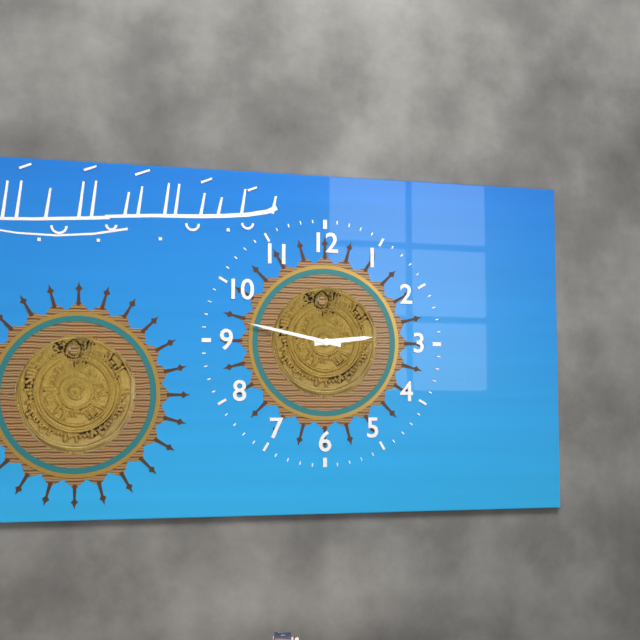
2:47
